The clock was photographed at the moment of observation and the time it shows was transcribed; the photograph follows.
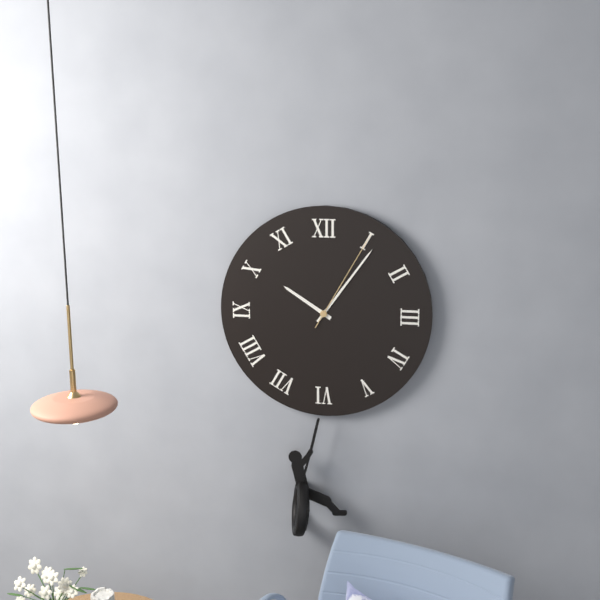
10:06:05
